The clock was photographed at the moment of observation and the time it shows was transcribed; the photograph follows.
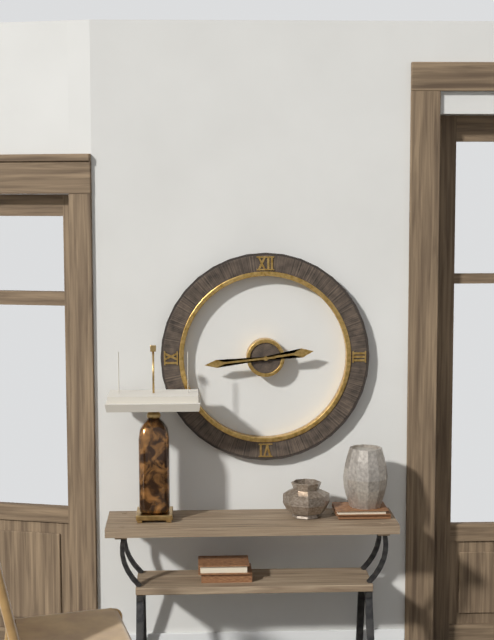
2:44
